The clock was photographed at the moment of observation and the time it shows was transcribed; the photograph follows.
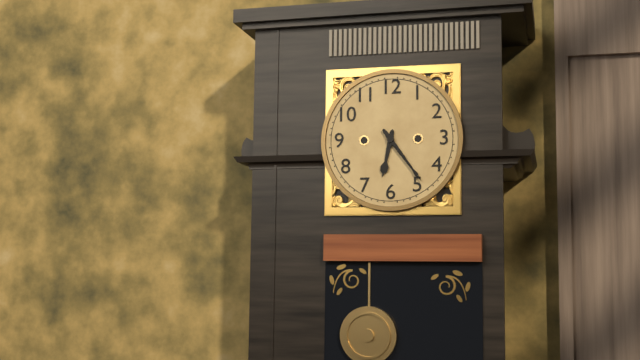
6:24
